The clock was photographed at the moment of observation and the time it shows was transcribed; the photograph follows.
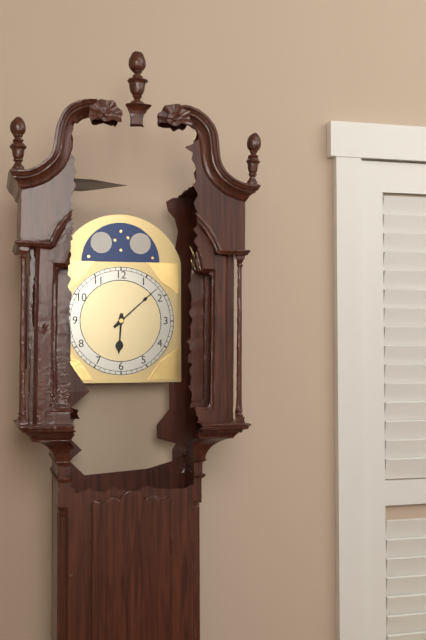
6:08
